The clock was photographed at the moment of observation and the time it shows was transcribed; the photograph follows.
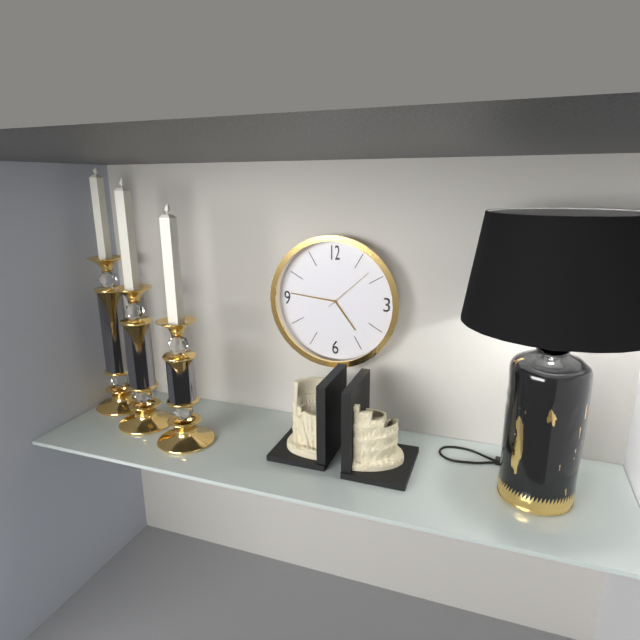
4:46:08
